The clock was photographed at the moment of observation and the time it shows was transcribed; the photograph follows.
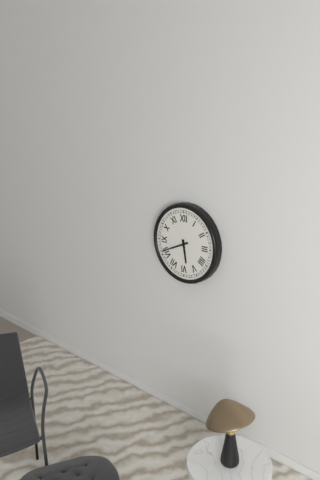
5:41
